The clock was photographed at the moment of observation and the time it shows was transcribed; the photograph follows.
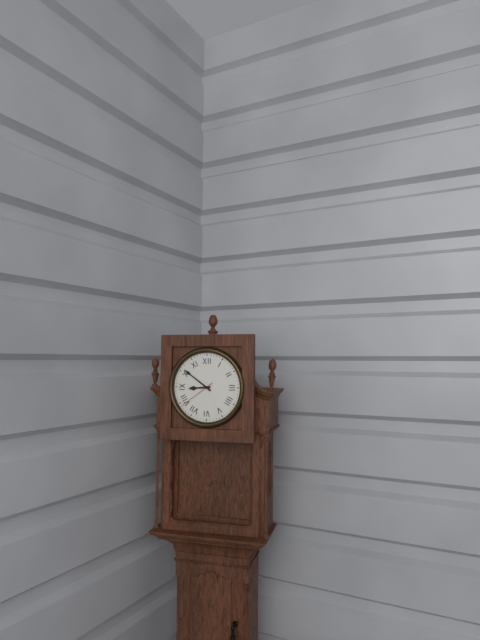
8:51
